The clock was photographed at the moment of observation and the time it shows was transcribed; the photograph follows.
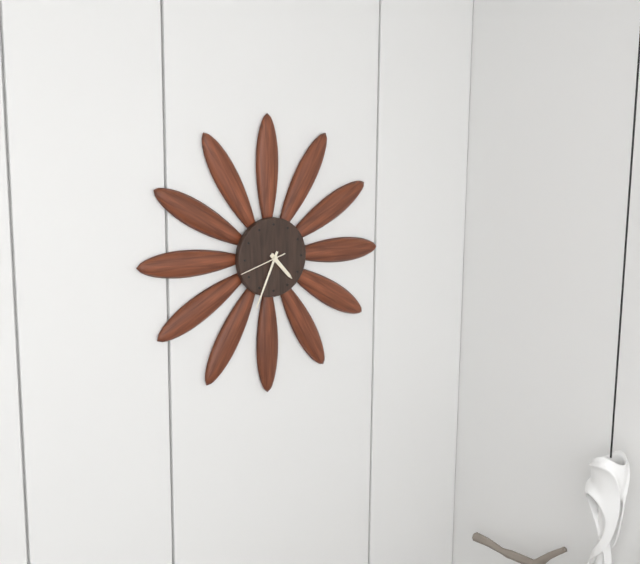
4:34
